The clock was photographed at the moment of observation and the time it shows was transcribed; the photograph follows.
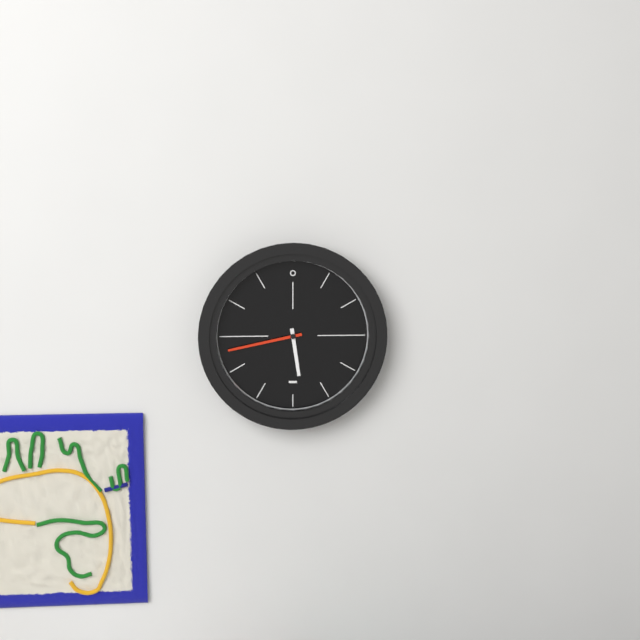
5:43
